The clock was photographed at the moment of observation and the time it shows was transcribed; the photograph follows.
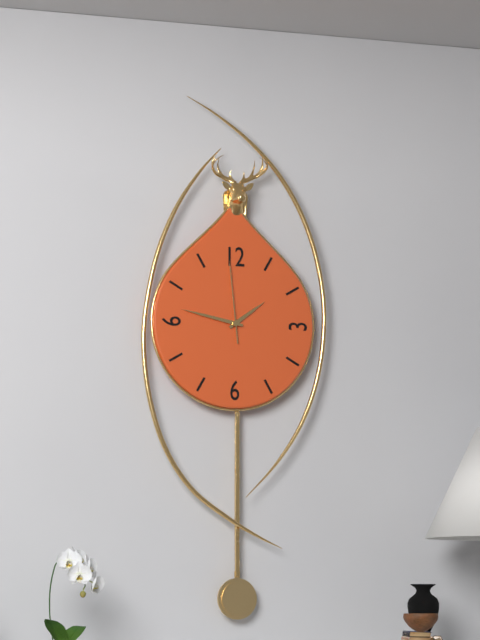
1:47:59
